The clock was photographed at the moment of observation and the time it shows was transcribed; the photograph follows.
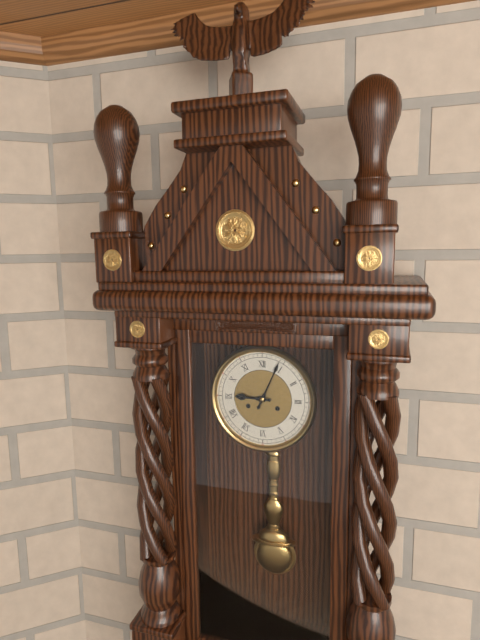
9:04
